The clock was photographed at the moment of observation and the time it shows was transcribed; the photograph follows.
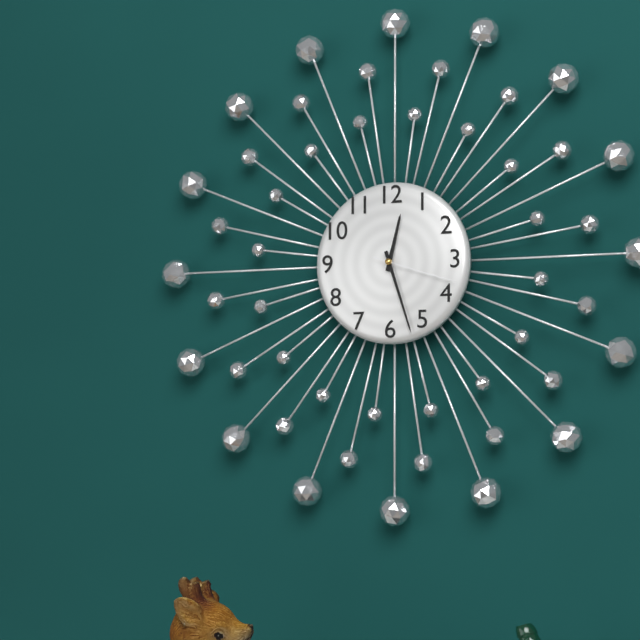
12:27:18
